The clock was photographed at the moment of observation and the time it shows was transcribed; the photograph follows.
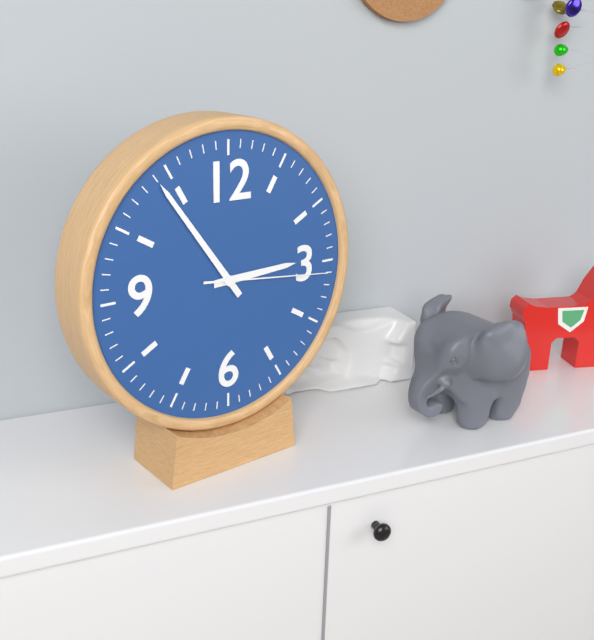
2:54:16
